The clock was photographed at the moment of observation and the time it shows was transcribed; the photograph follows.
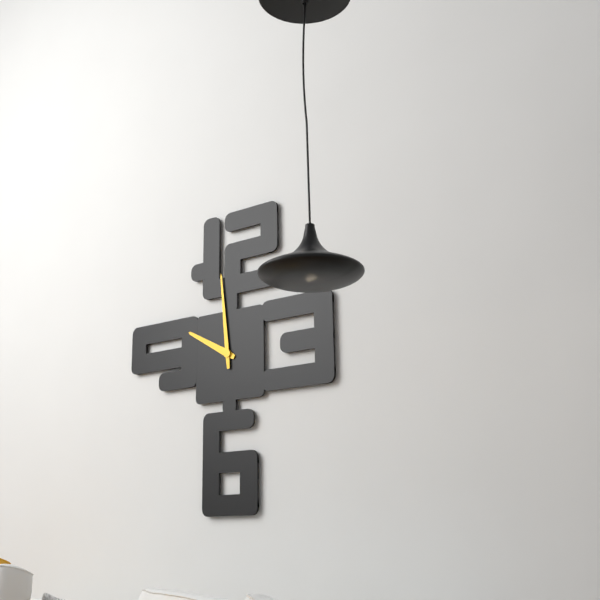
9:59
